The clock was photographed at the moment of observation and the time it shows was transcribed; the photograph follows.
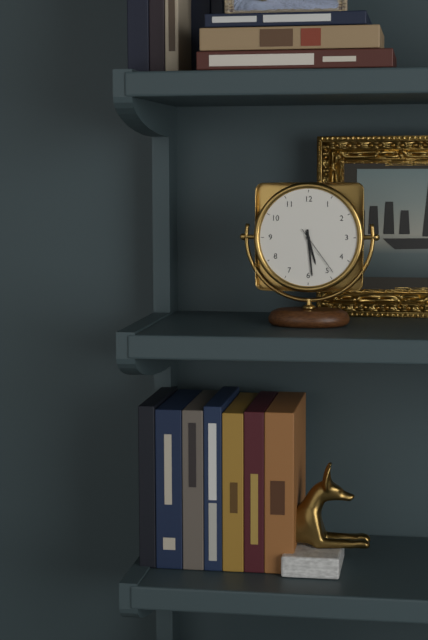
5:29:24
